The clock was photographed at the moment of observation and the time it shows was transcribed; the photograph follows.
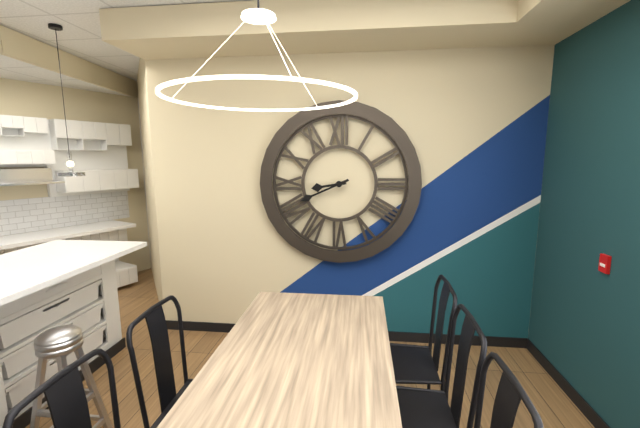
8:41
